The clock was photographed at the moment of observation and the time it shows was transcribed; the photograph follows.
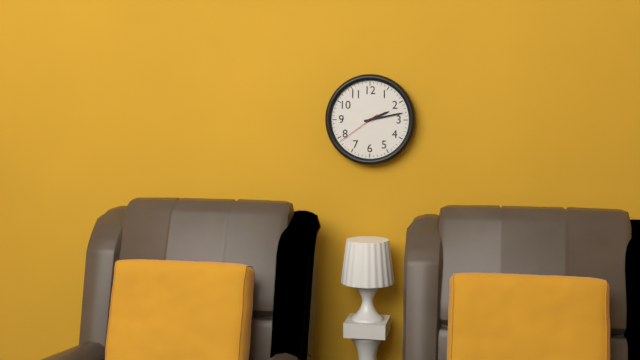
2:13
